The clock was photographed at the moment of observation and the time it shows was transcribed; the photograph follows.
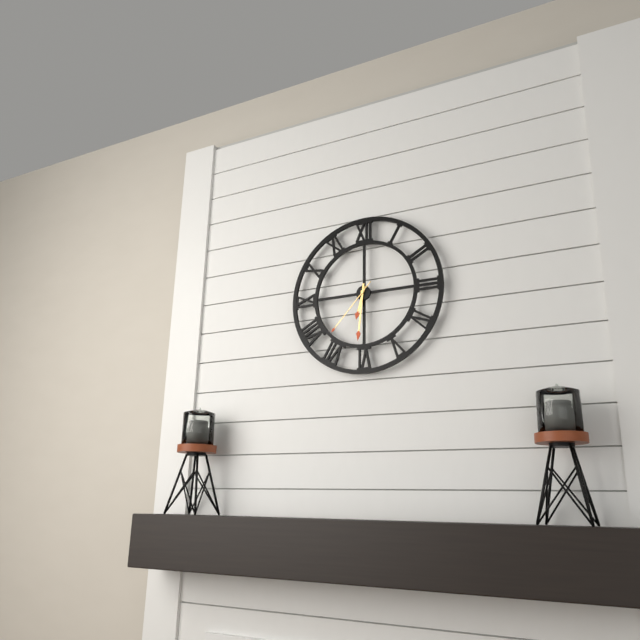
6:31:37
